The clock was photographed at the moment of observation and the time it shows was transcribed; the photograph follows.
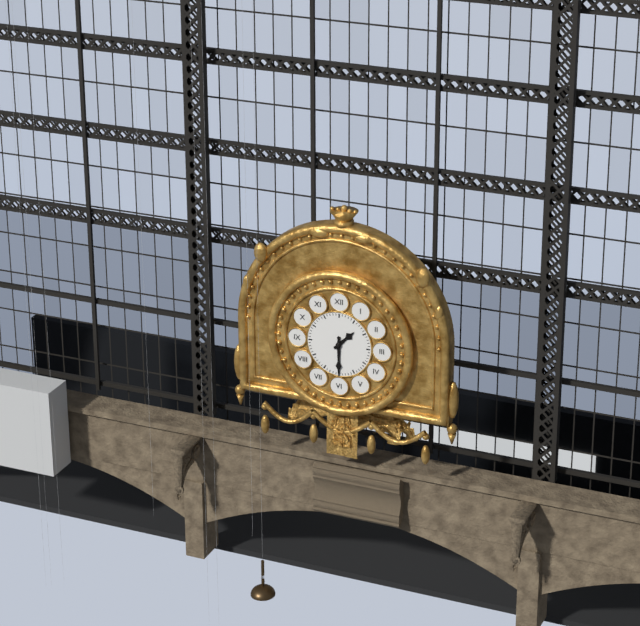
1:30
